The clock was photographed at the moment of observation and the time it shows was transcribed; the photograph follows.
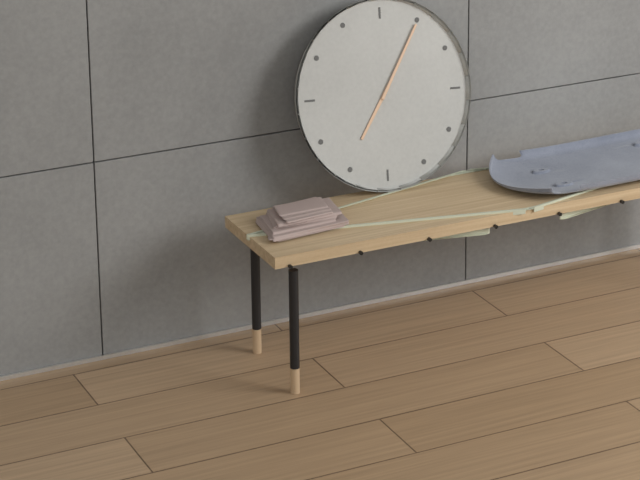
7:05
